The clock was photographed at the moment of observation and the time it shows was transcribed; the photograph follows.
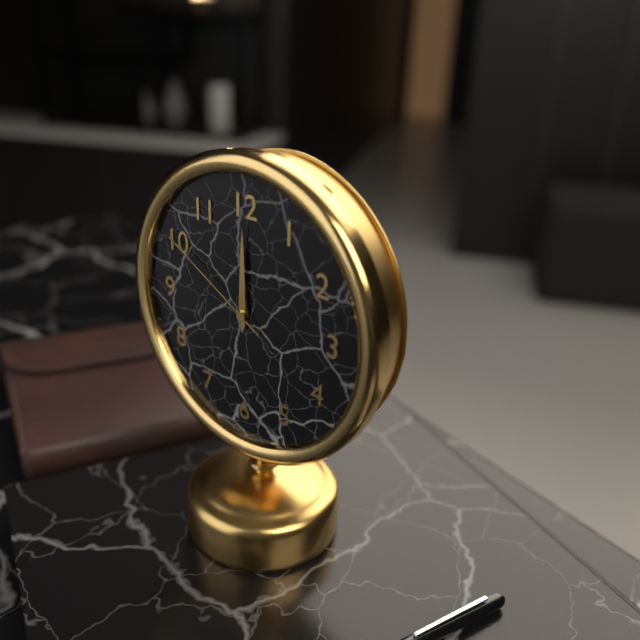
12:00:50
